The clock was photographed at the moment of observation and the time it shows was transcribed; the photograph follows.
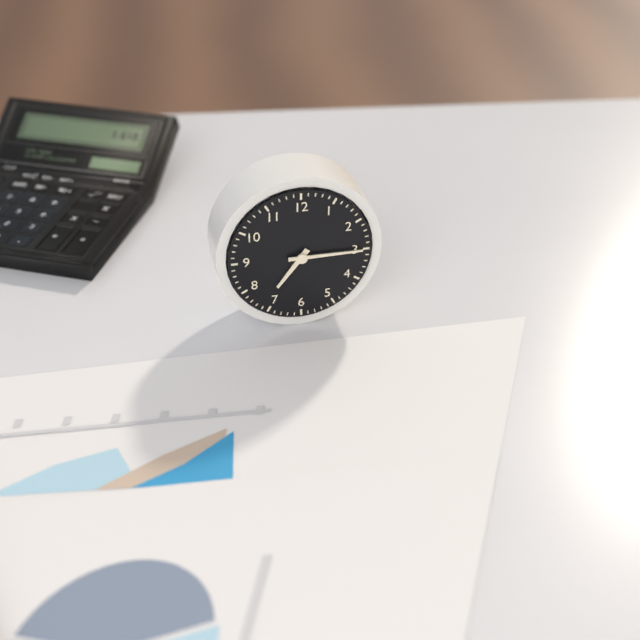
7:15
